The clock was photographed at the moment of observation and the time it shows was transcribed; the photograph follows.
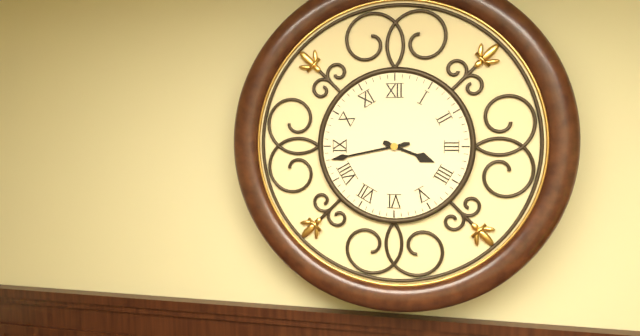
3:43
